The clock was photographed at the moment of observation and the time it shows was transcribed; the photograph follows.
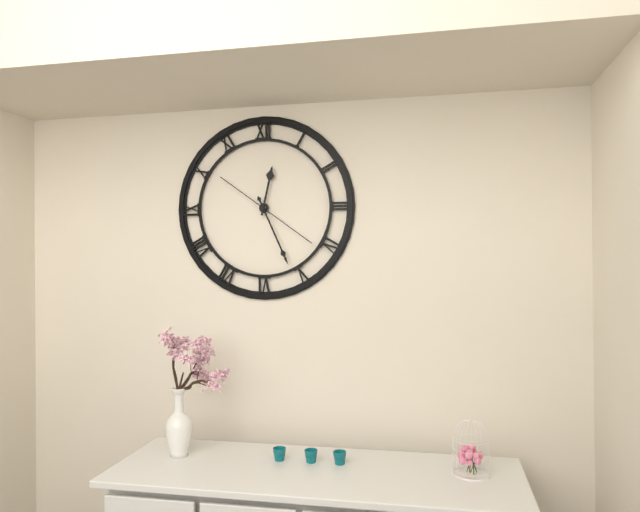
12:26:21
